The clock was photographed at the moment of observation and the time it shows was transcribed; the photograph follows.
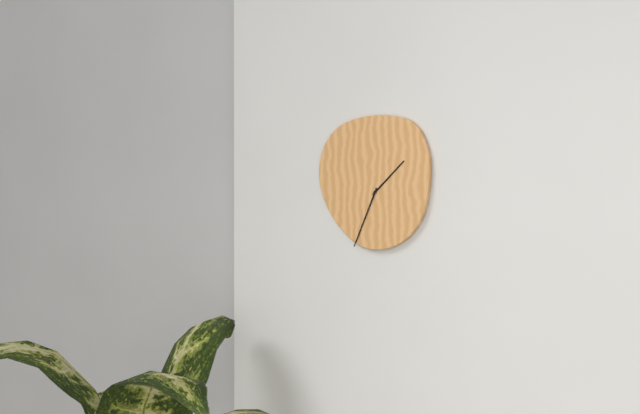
1:34
